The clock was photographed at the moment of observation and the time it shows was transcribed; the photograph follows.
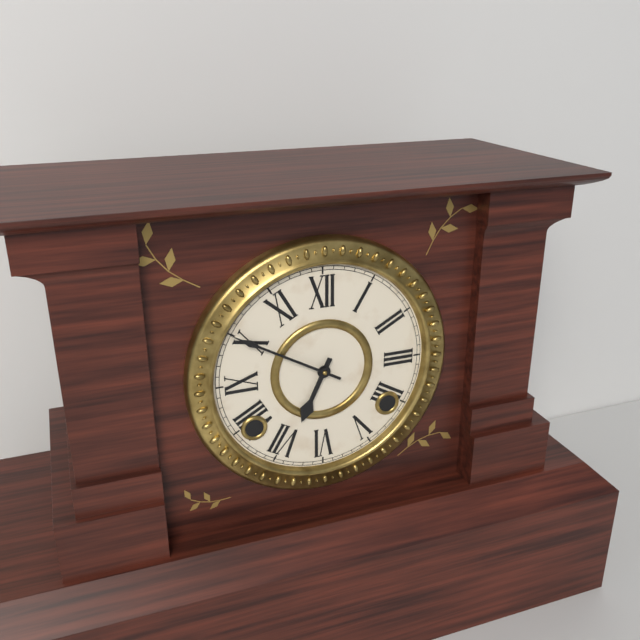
6:50
